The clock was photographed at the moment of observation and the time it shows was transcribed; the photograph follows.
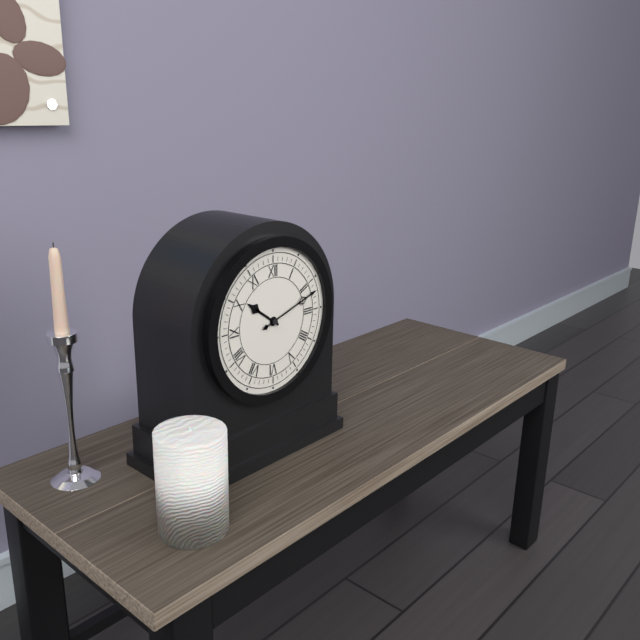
10:12
